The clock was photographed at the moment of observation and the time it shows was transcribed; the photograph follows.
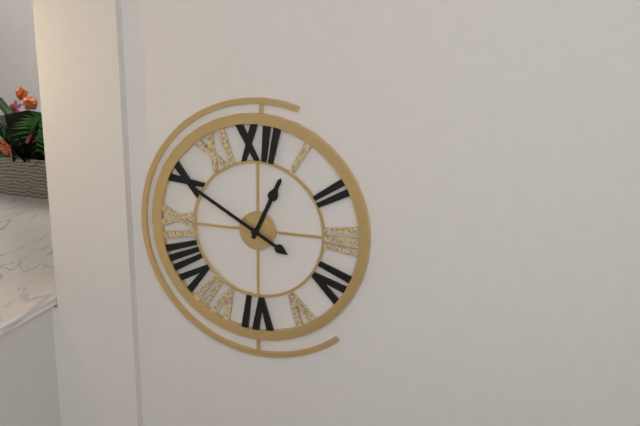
12:50
